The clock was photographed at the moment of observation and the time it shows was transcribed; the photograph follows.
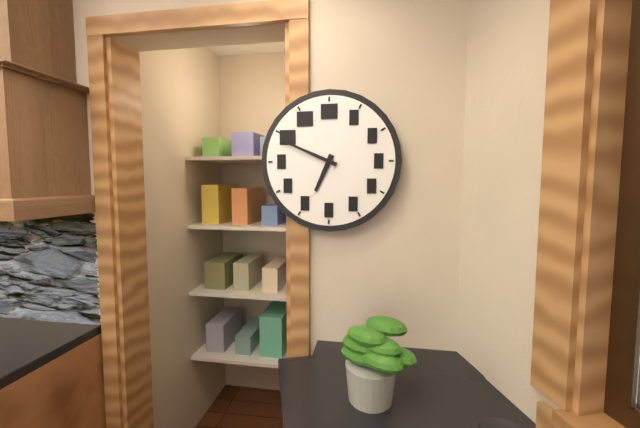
6:49
